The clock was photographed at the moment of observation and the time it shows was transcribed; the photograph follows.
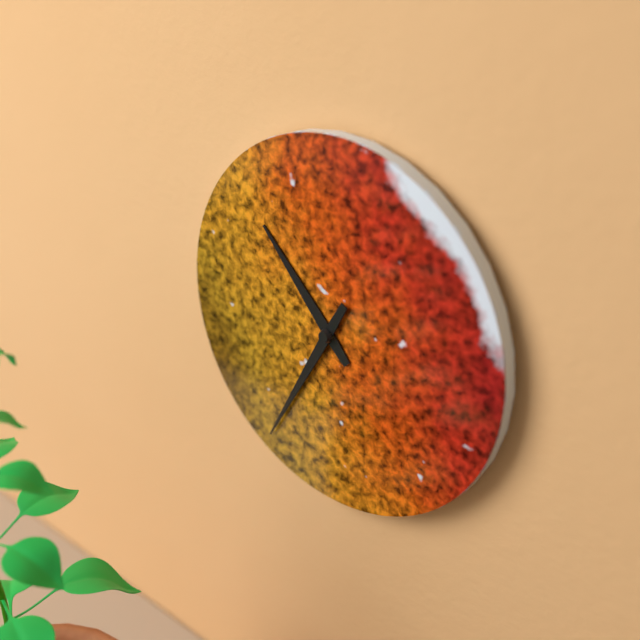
10:35
